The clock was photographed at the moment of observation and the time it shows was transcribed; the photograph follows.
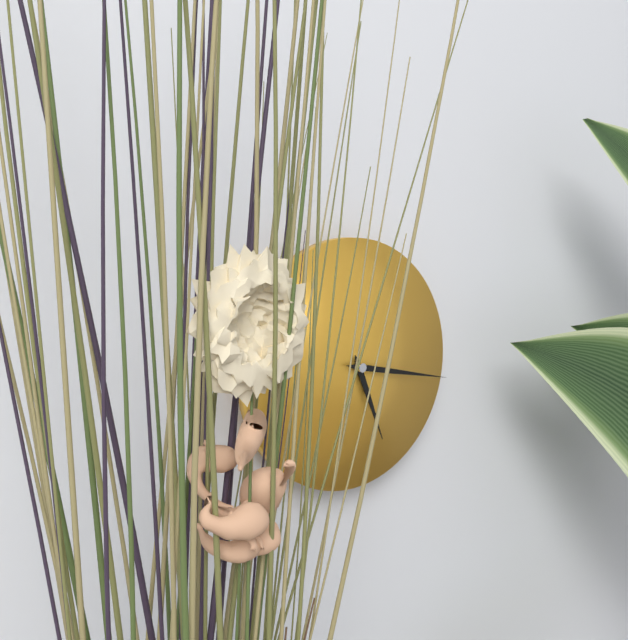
5:17
